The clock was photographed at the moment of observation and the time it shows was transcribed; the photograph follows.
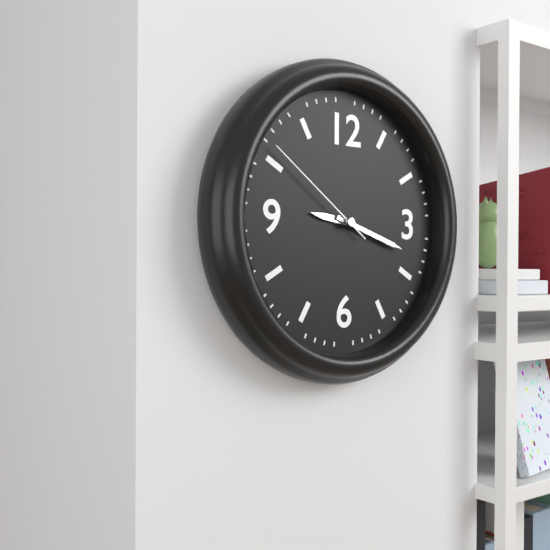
9:18:51
